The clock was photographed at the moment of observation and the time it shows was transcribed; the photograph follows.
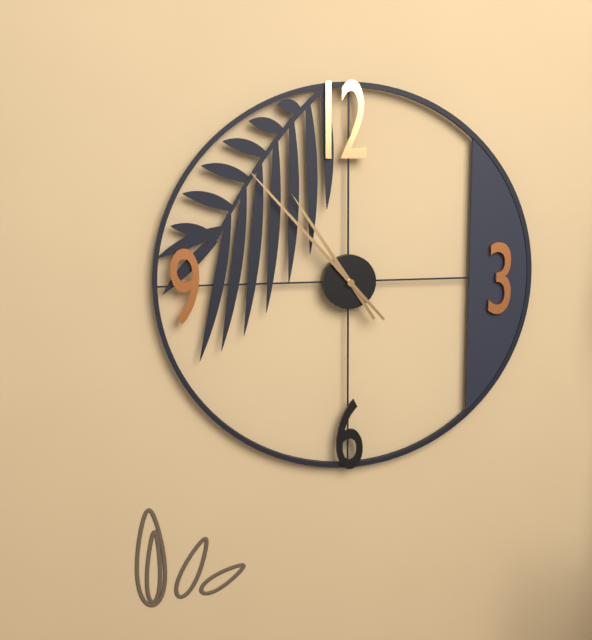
10:53
